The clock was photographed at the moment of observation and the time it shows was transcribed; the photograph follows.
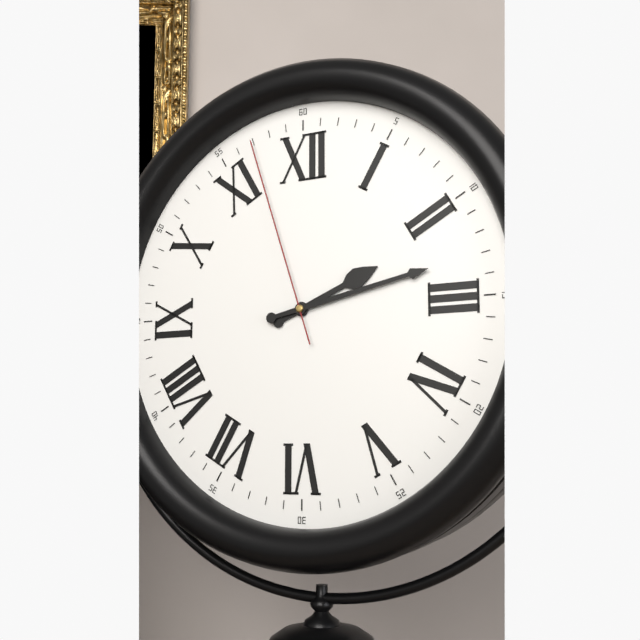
2:13:57
